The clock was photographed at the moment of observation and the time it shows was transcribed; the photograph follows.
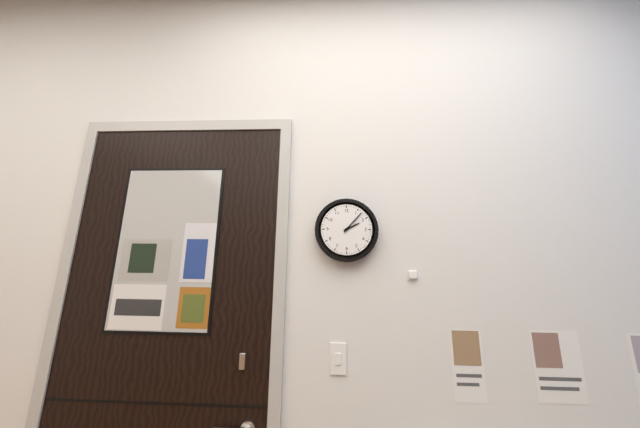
2:07
